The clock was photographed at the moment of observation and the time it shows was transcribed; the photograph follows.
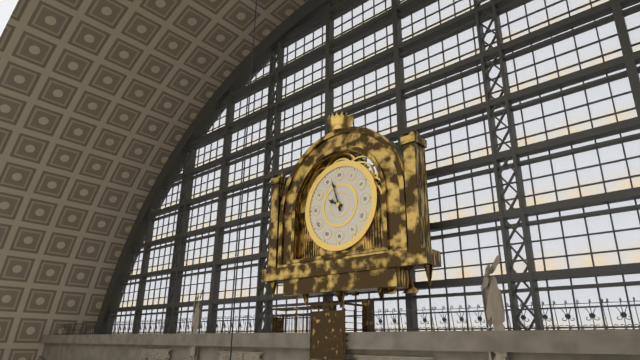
9:57
